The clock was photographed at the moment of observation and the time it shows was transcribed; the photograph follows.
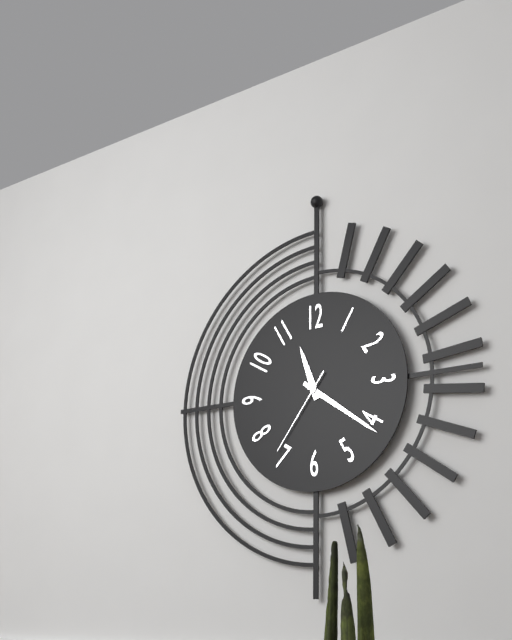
11:21:36
